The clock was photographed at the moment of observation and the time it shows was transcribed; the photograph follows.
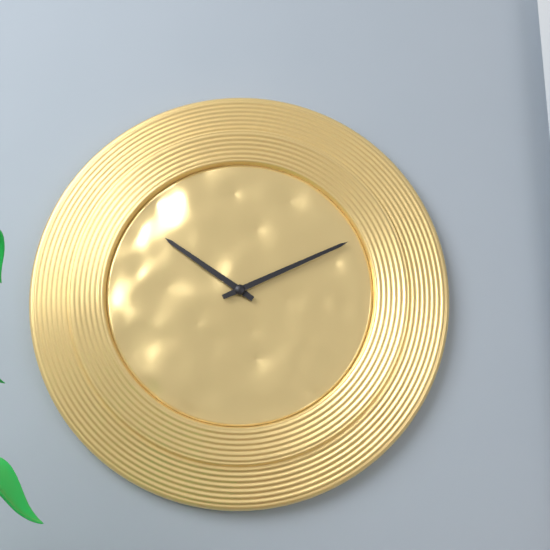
10:11
